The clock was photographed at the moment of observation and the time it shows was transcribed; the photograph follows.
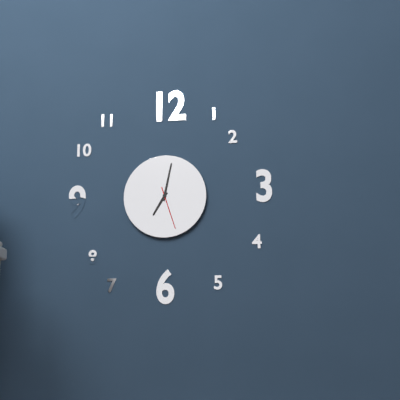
7:02
